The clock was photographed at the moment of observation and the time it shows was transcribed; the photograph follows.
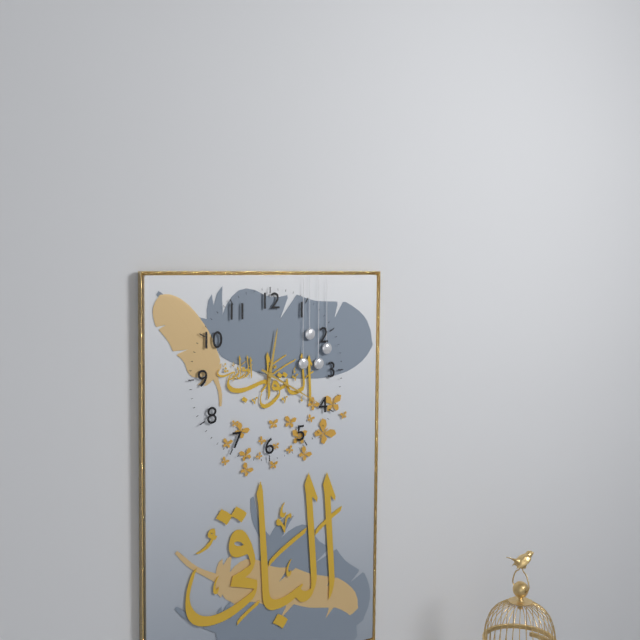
12:20
